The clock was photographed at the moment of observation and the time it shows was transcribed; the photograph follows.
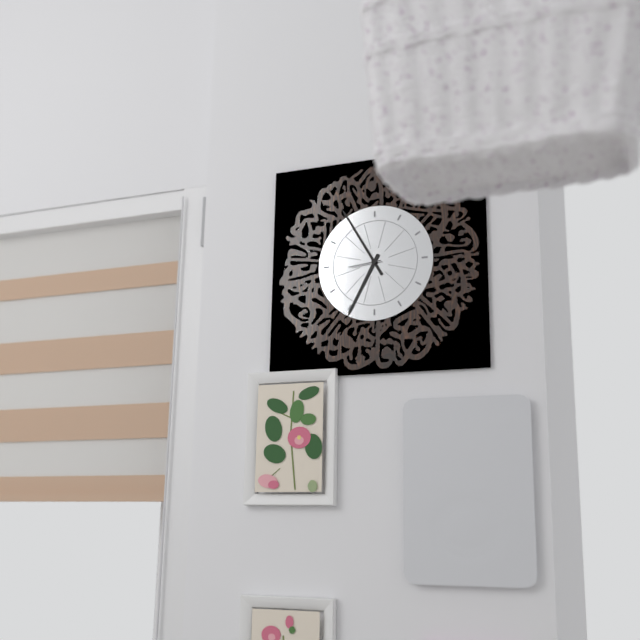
6:55
